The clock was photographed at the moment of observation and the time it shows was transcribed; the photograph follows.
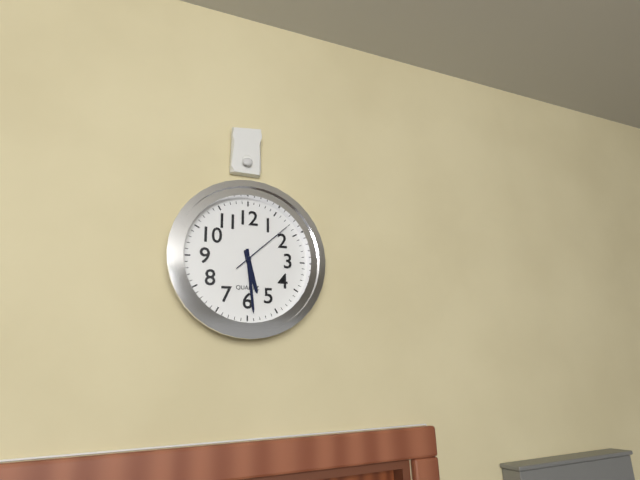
5:29:08
